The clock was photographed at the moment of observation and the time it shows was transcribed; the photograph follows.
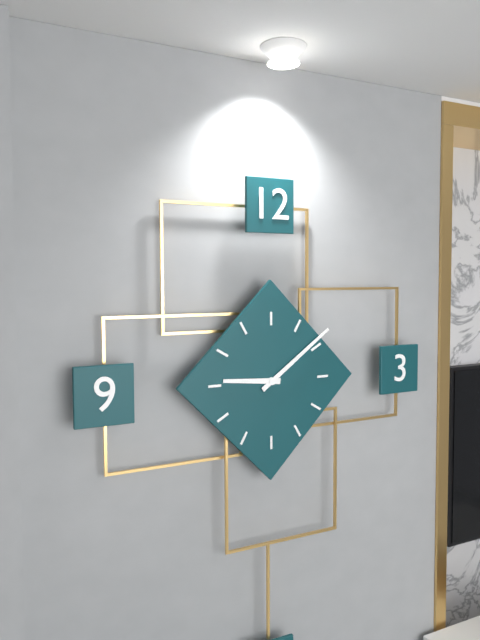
9:09
